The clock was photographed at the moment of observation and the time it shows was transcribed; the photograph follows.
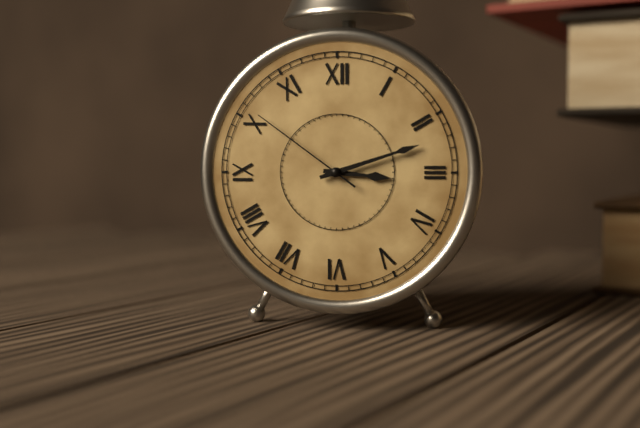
3:12:51
